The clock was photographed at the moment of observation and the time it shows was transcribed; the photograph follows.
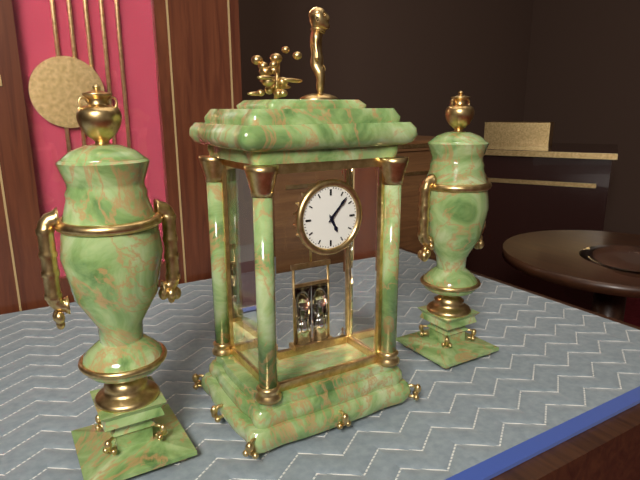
5:07
